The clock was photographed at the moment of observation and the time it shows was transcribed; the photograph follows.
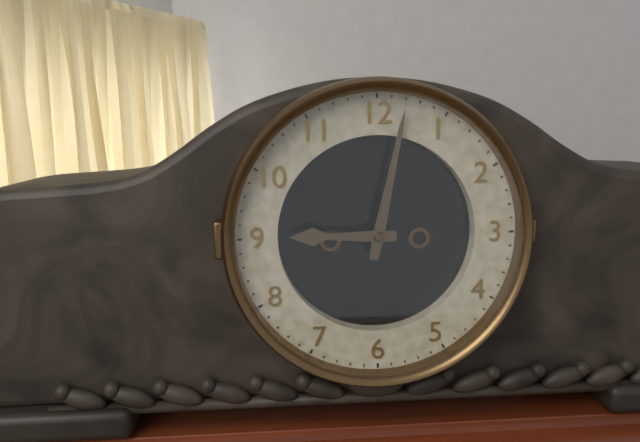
9:02
